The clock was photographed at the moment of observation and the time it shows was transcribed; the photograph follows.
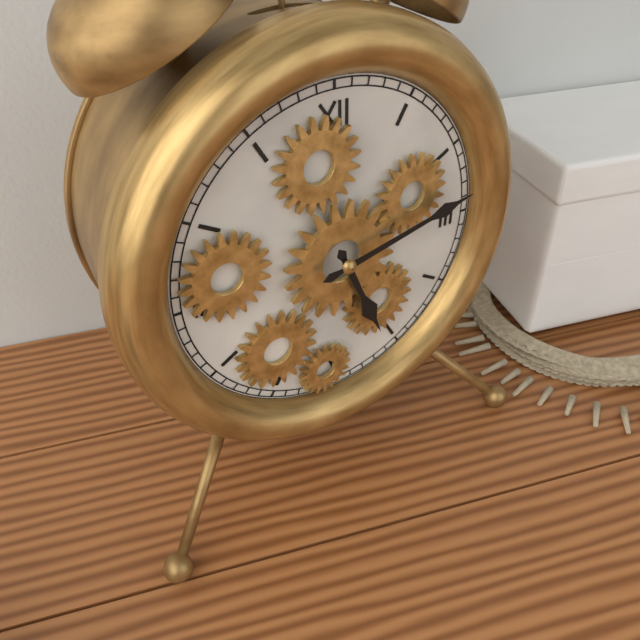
5:13
